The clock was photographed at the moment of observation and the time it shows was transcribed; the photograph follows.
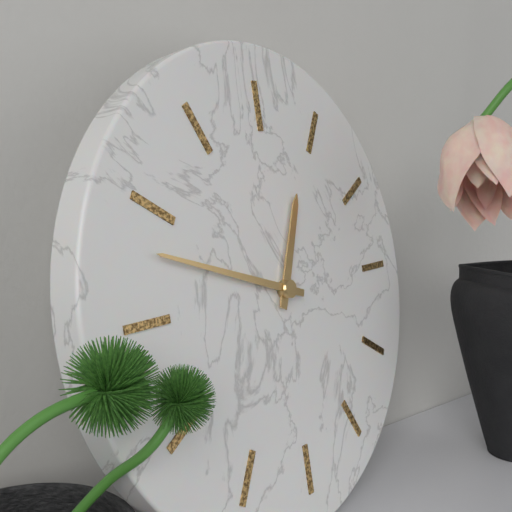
12:48
